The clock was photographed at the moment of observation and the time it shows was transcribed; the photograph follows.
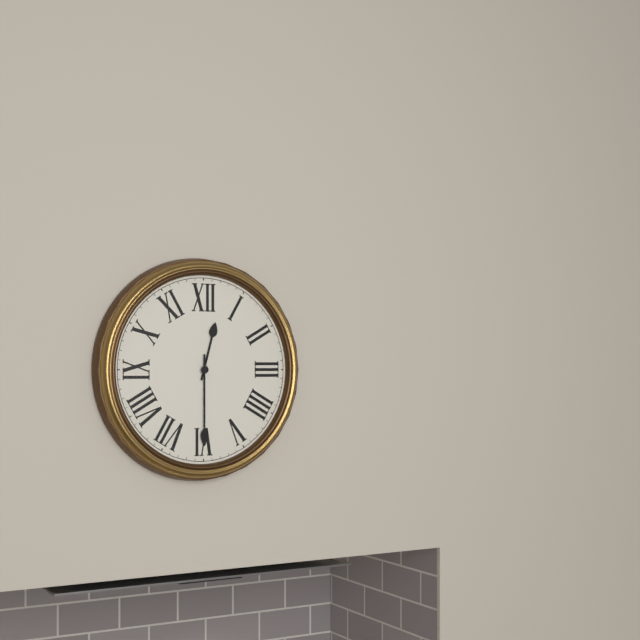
12:30
